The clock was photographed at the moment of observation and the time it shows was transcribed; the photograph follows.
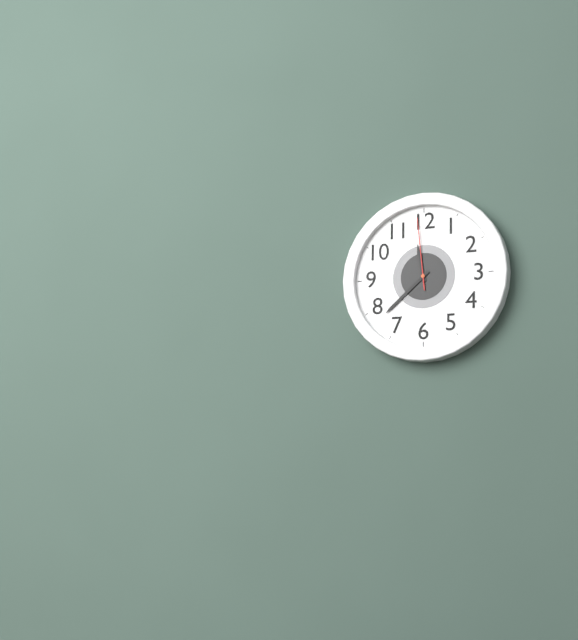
11:38:59
